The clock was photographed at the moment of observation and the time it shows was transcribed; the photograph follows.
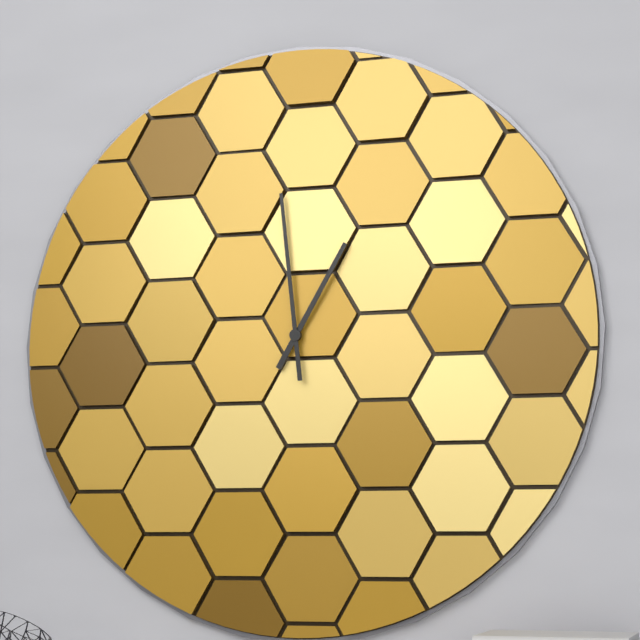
12:59
